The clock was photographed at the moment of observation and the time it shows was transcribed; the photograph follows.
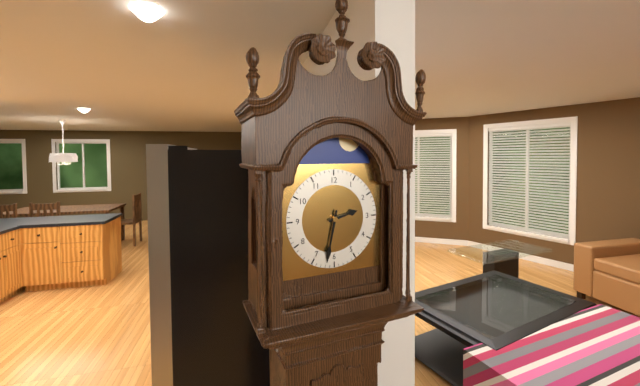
2:32
